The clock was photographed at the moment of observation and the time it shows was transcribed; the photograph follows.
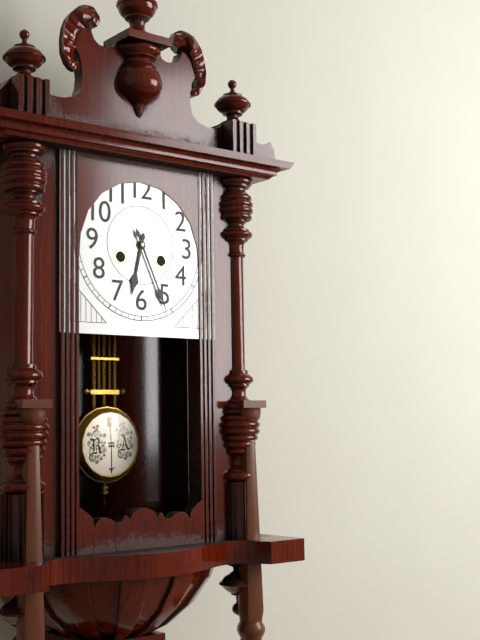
6:26
